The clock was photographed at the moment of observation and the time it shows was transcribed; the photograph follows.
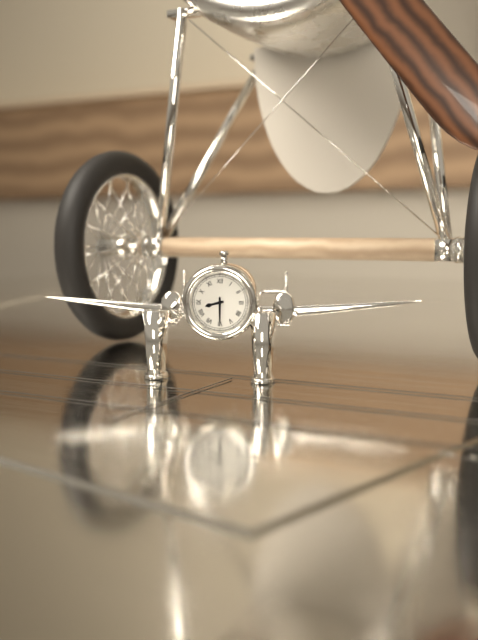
8:30
